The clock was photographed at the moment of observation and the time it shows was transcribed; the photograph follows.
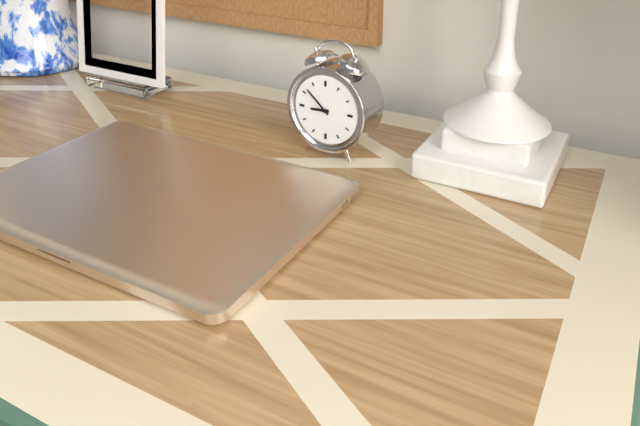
8:52
